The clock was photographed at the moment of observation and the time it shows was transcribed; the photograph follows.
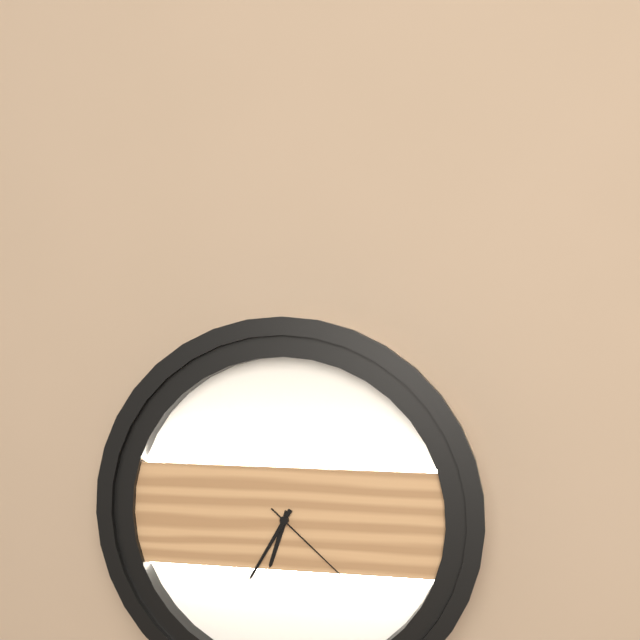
6:35:22
